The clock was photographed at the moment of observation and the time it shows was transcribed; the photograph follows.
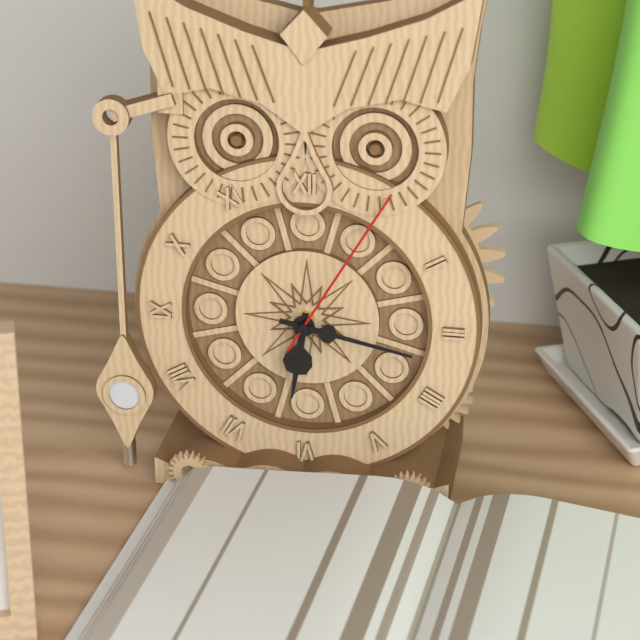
6:17:05
